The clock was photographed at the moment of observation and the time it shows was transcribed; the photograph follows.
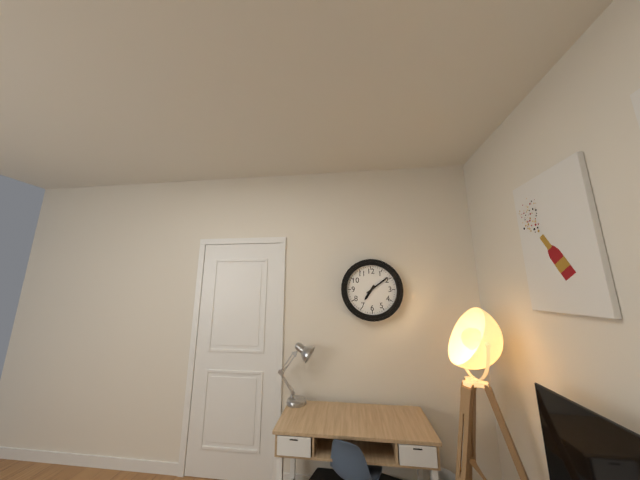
7:09
